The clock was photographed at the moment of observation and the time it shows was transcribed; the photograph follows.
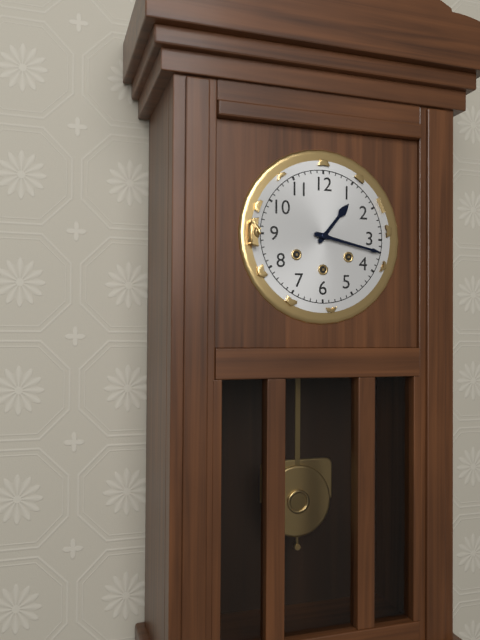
1:17
